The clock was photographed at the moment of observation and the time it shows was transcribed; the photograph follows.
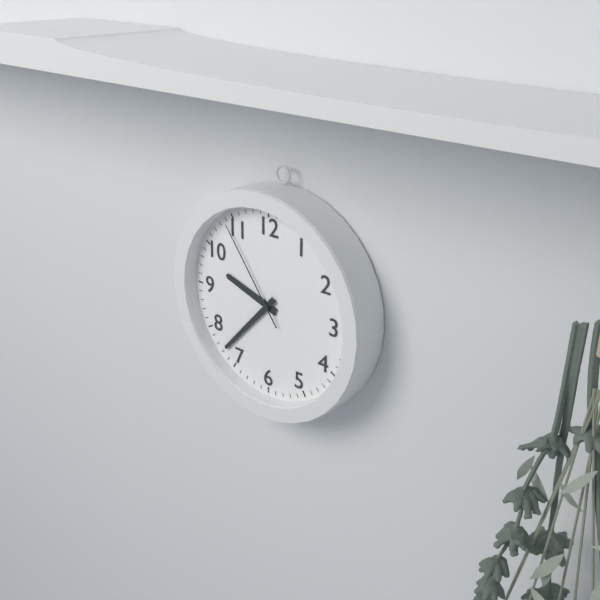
9:37:54
